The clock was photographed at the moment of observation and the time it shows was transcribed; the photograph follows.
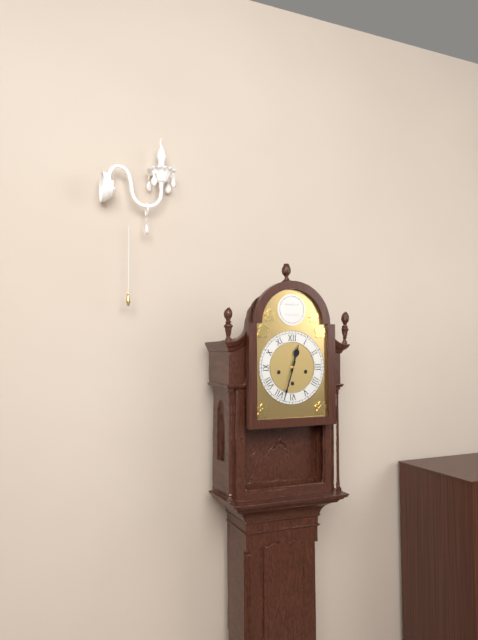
12:33
